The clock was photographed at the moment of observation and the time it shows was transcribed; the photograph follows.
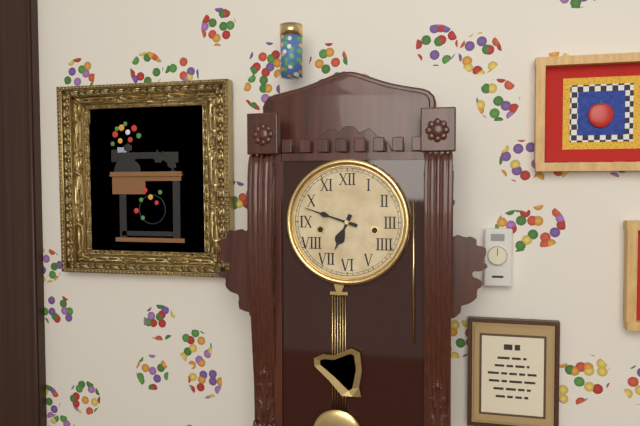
6:48
